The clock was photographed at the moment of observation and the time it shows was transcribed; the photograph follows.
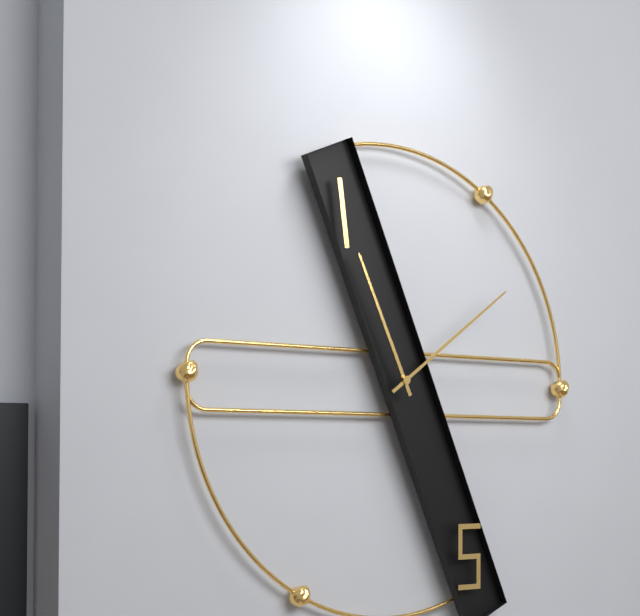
11:09
